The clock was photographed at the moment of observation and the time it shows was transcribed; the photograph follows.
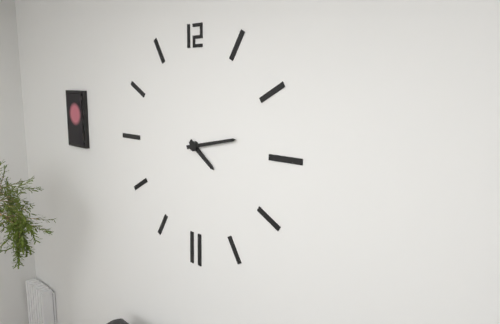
4:13
